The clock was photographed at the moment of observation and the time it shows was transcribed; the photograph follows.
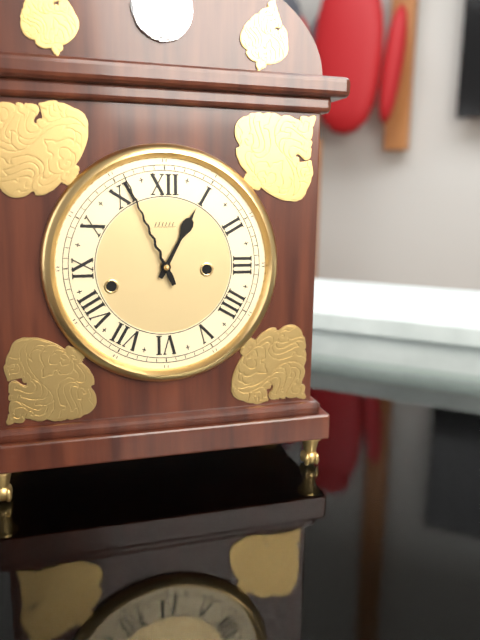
12:56
